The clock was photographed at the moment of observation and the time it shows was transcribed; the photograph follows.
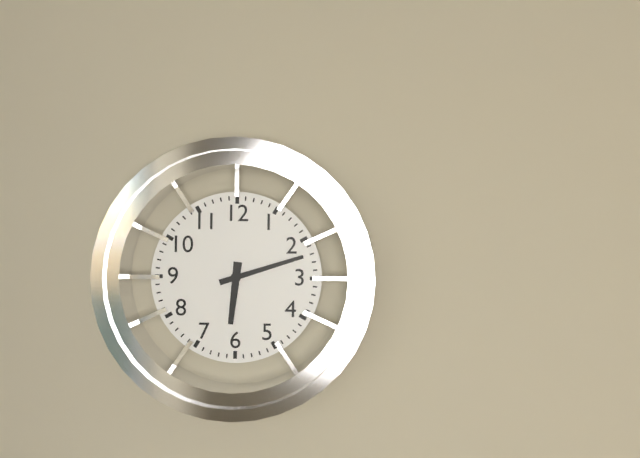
6:12
